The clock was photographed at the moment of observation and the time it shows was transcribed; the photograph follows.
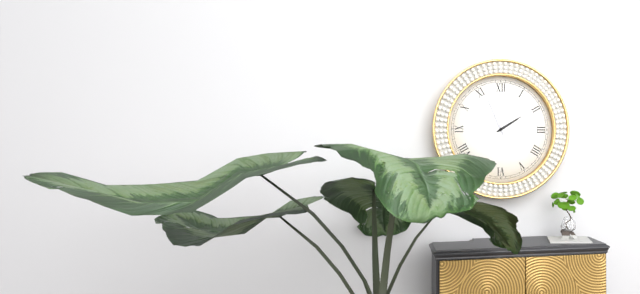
1:56
